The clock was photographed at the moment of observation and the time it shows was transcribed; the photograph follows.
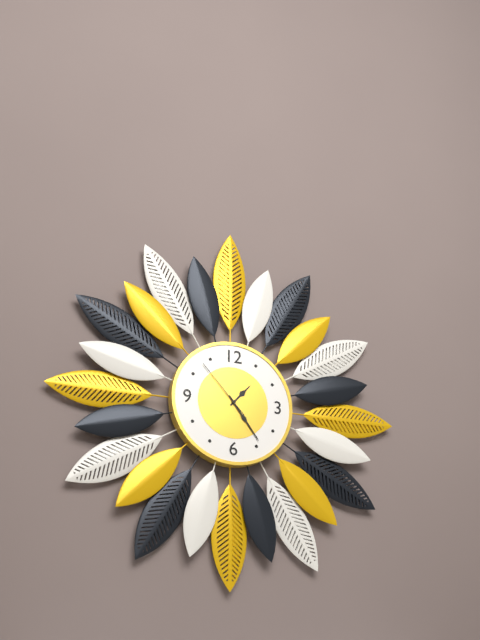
1:24:53
